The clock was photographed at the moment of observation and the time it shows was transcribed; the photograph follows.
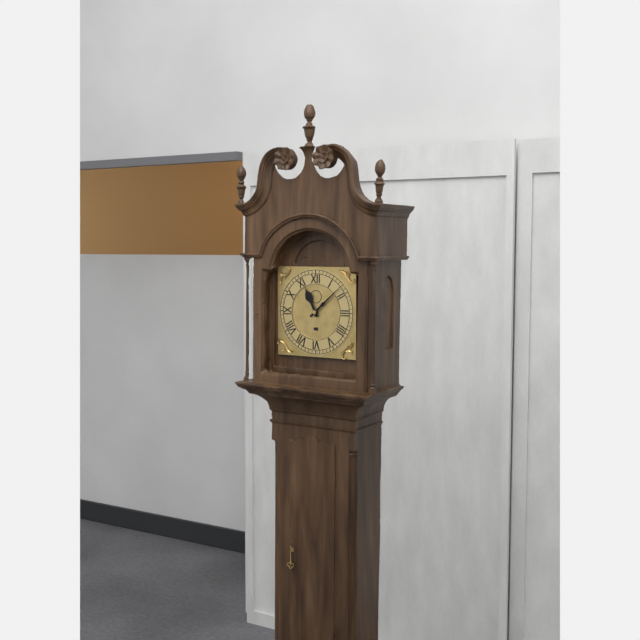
11:08
